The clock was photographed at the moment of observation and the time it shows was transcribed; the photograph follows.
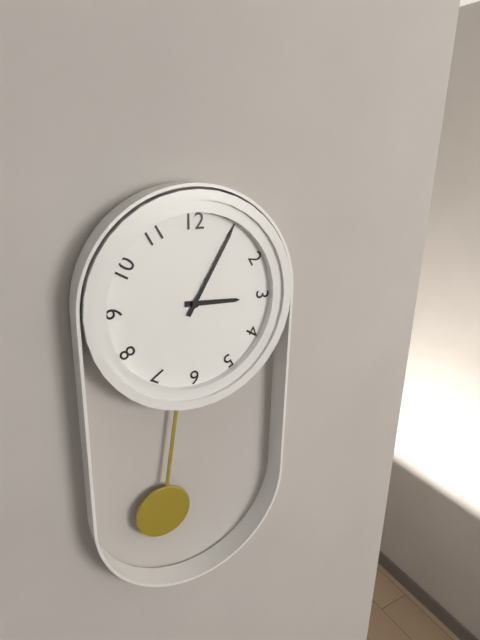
3:05
